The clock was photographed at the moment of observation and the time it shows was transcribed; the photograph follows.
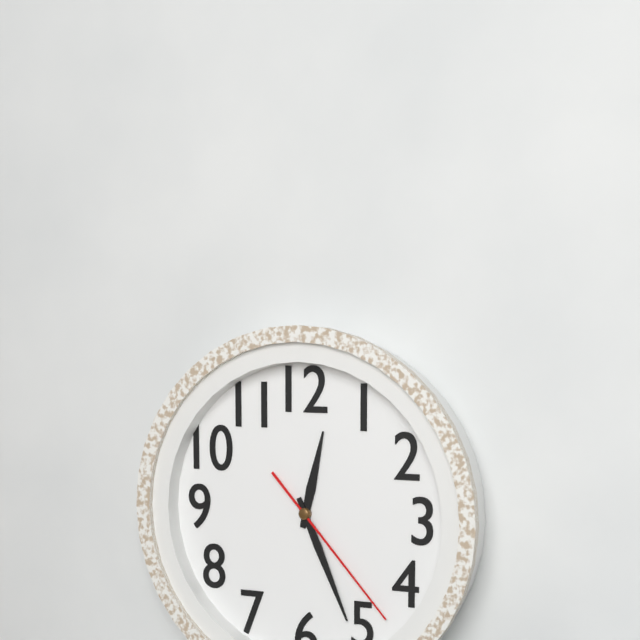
12:26:23
